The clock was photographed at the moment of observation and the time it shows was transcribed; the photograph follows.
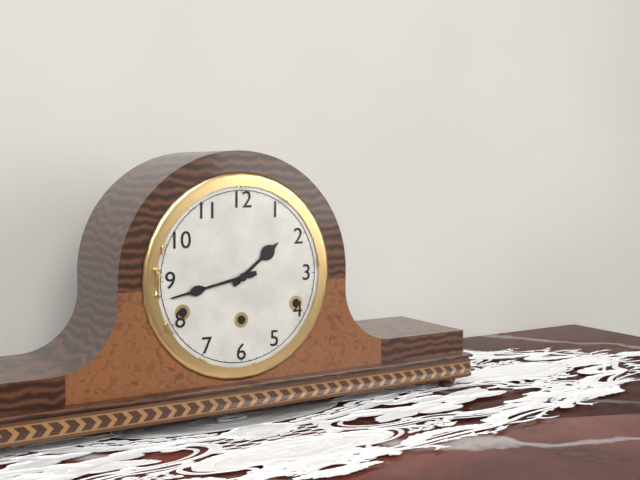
1:43
